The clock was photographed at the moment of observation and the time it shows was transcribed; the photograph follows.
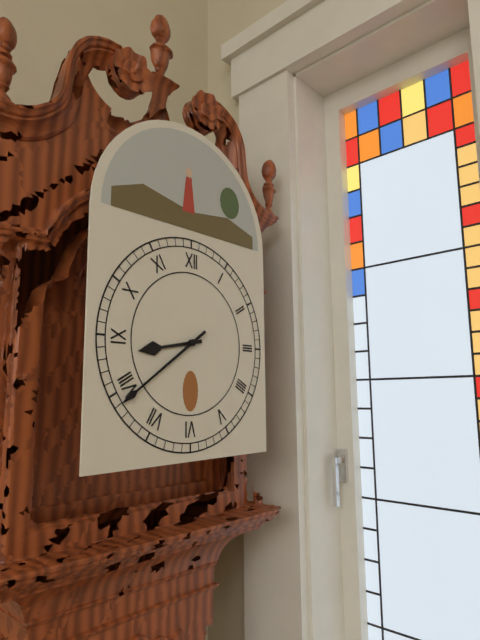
8:39
